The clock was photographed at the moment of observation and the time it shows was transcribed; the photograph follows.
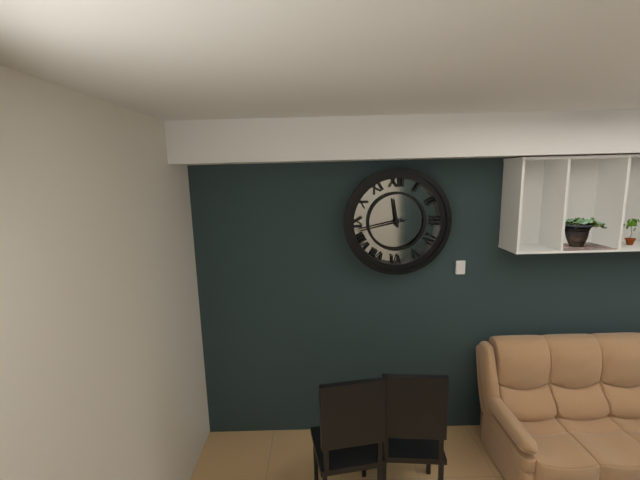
11:43
